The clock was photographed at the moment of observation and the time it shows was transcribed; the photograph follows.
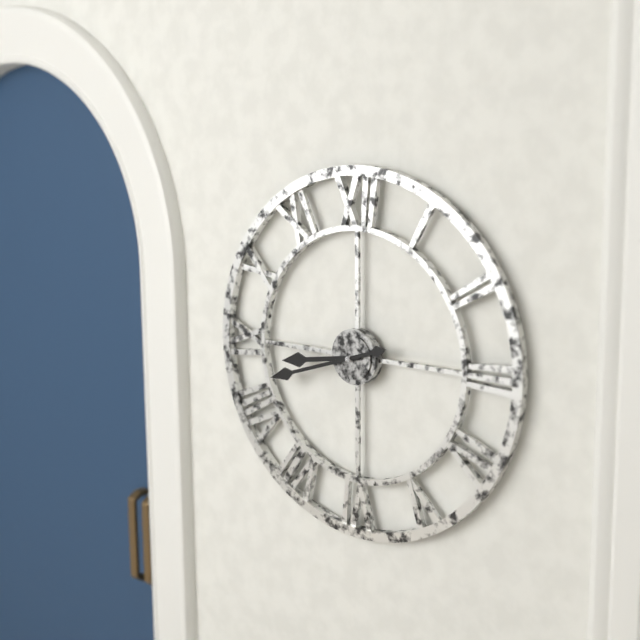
8:42
